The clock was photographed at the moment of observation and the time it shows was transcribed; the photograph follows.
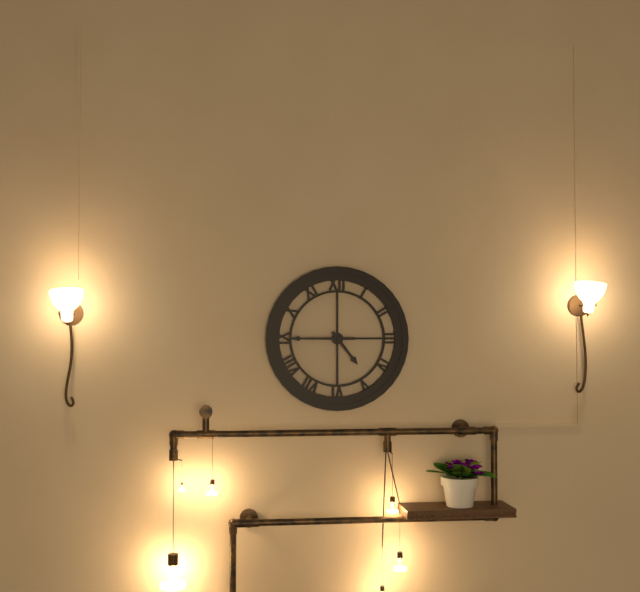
4:45
